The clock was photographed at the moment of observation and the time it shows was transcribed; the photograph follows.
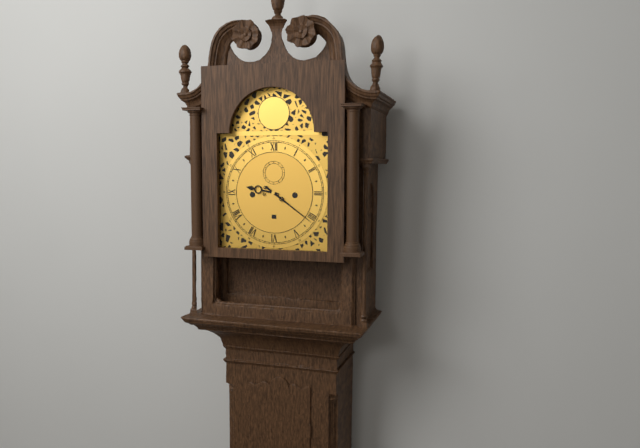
9:21
